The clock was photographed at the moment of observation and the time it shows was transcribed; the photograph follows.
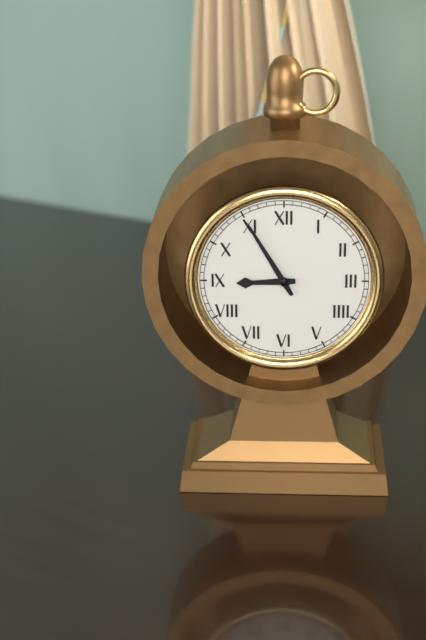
8:55
